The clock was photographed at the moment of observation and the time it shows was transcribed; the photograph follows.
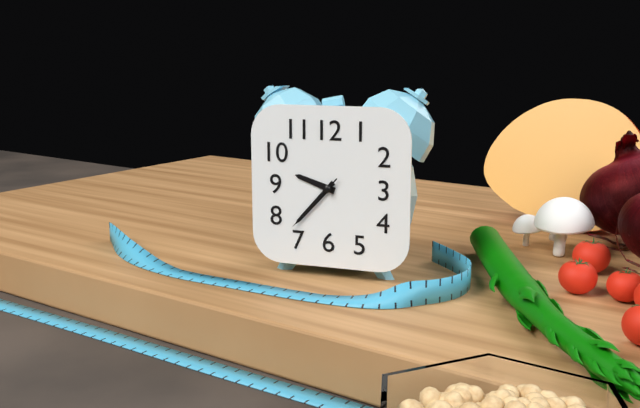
9:37:37
